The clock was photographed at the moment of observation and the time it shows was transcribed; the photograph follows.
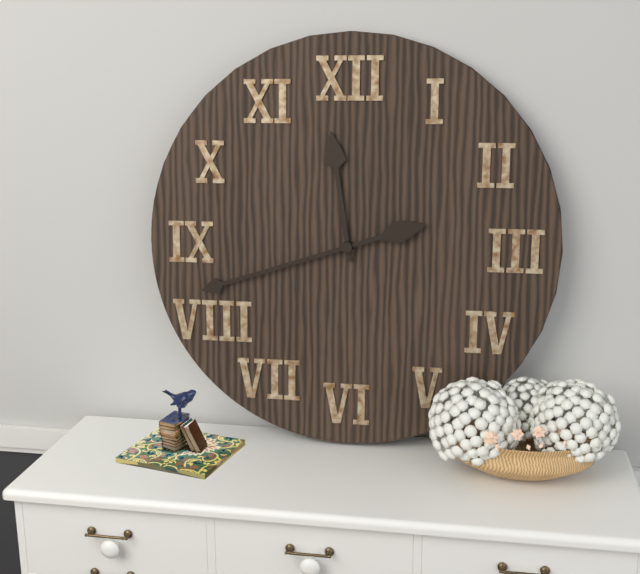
11:42
